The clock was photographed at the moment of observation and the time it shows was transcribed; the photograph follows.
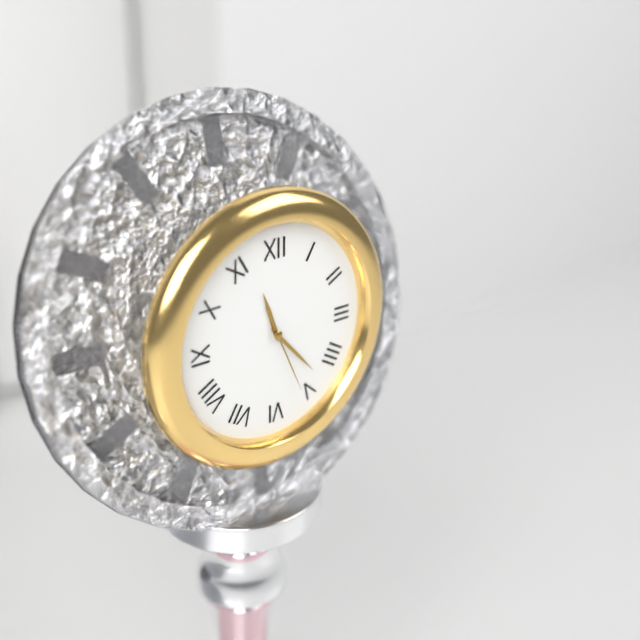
11:23:26
